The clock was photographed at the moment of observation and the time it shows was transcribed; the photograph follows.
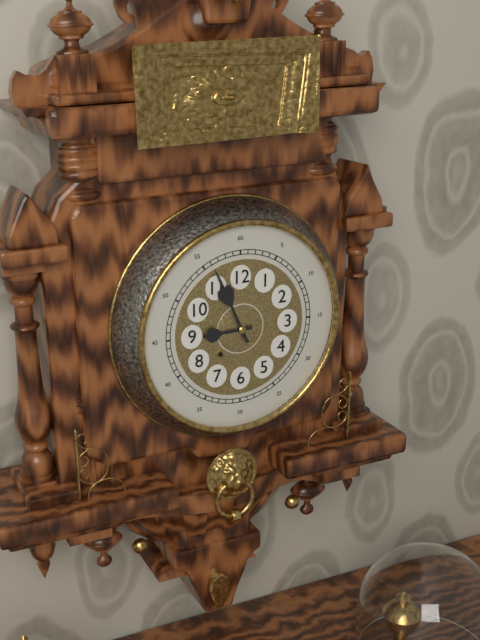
8:56
